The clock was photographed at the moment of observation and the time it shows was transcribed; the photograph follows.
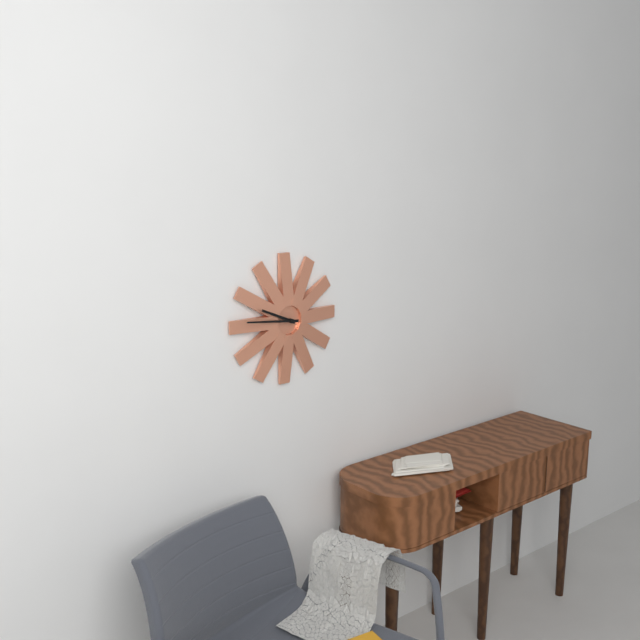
9:46
